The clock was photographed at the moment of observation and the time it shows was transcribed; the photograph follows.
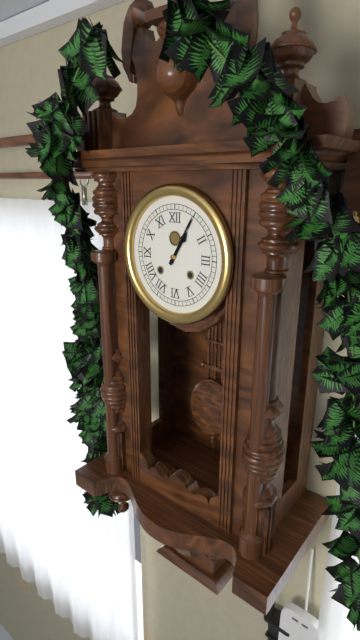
1:05
